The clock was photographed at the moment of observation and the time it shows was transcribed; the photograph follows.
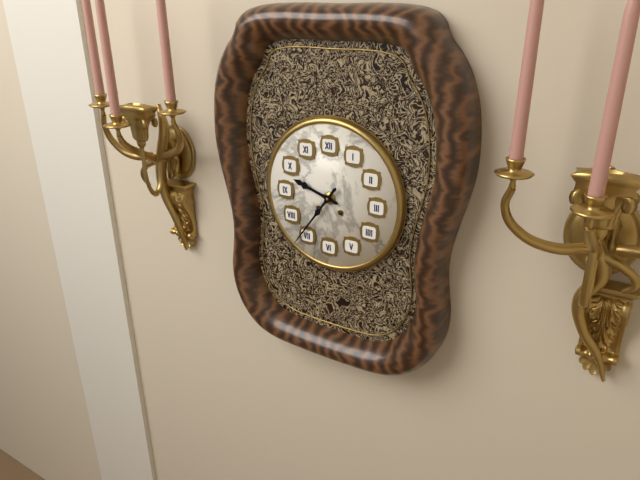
9:36
